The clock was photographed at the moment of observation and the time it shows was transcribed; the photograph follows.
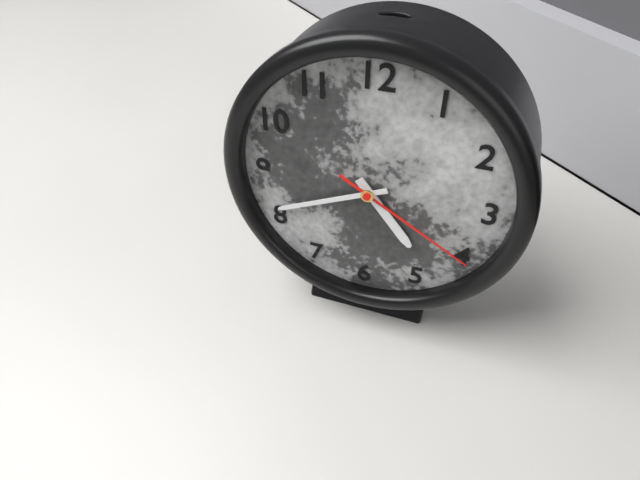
4:41:20
